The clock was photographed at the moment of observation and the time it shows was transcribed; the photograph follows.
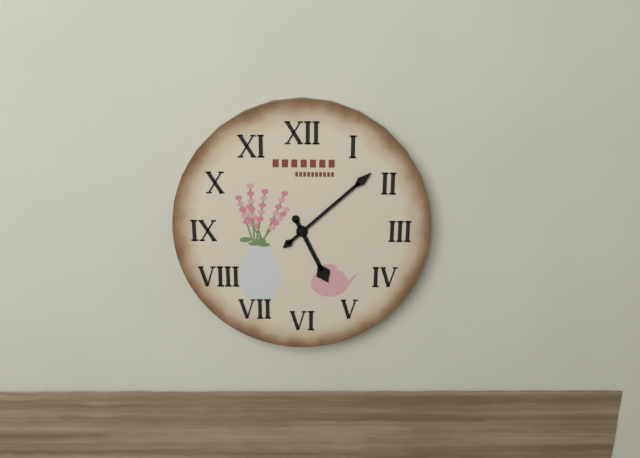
5:08
